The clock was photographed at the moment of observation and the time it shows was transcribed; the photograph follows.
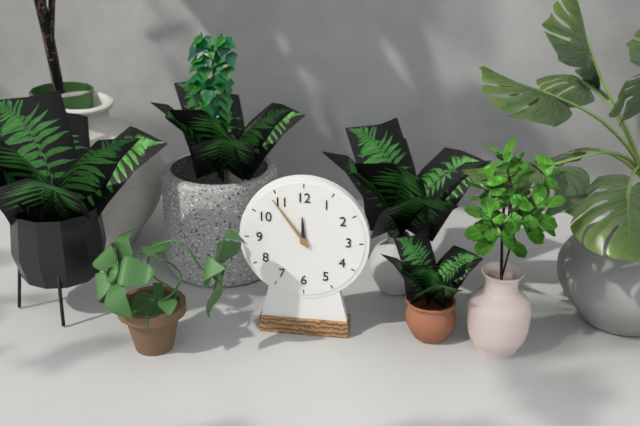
11:54
